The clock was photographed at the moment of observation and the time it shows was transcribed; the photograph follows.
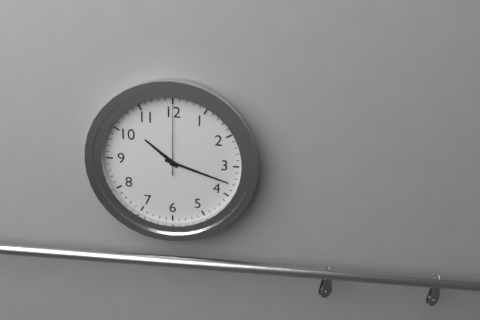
10:18:00
